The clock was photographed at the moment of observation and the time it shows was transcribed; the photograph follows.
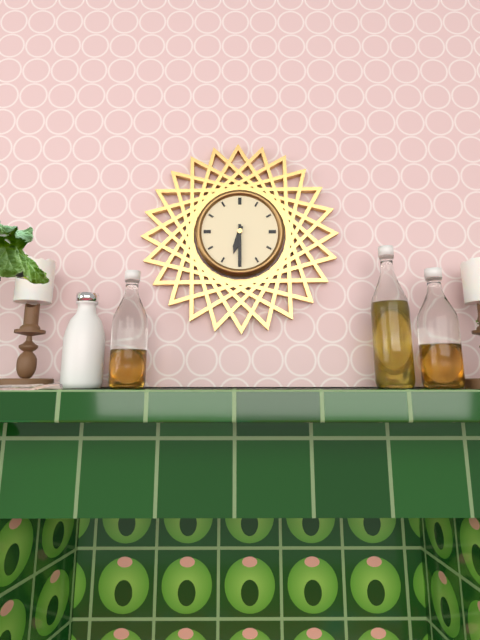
6:30
